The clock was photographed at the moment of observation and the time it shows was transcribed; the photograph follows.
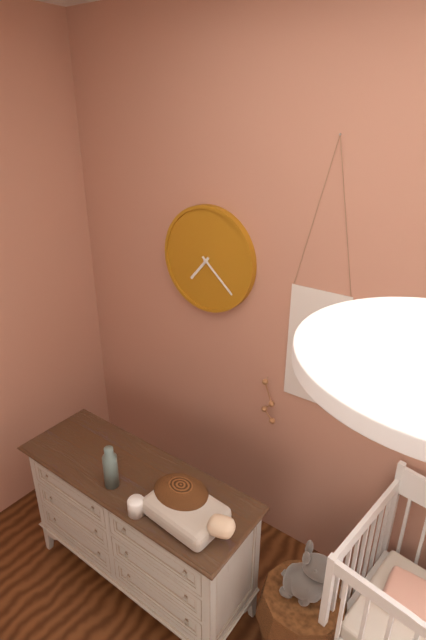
7:22
